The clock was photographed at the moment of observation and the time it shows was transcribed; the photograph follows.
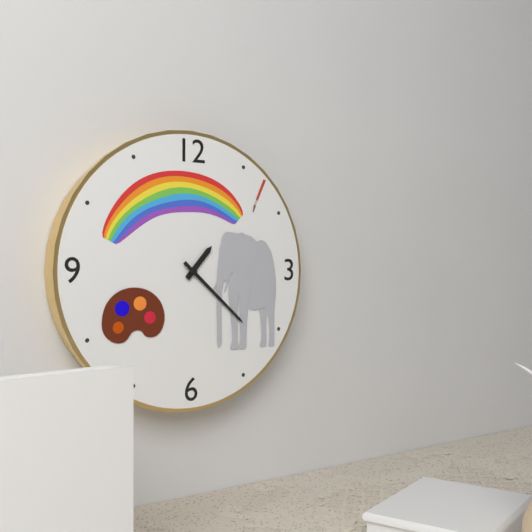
1:22
